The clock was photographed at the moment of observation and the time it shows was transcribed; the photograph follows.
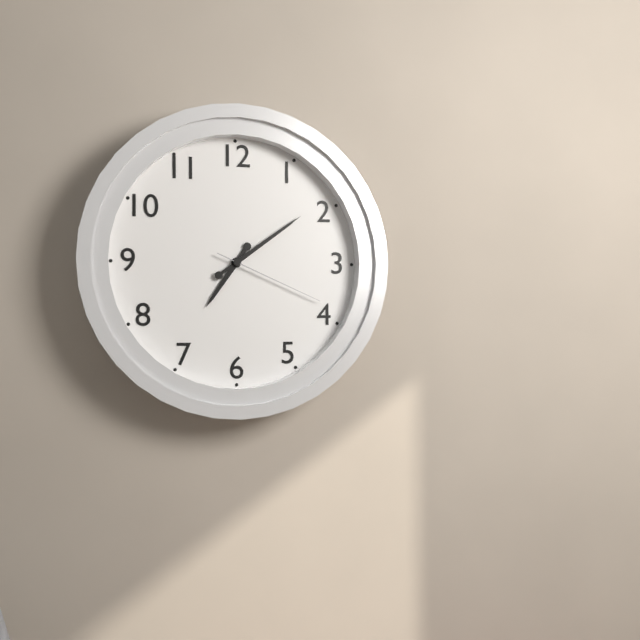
7:09:19
